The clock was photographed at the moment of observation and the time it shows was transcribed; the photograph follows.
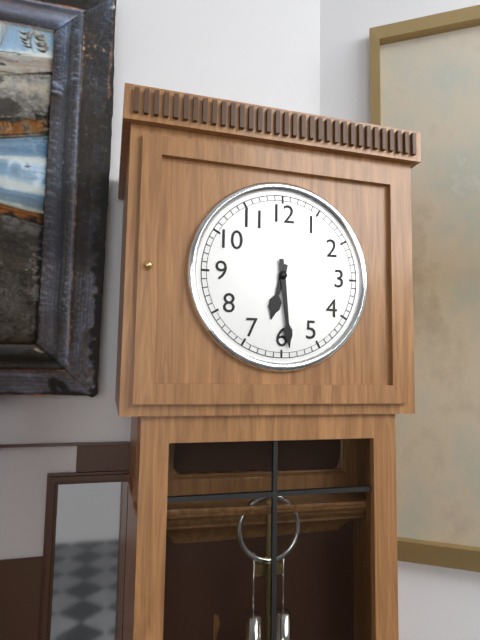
6:29
